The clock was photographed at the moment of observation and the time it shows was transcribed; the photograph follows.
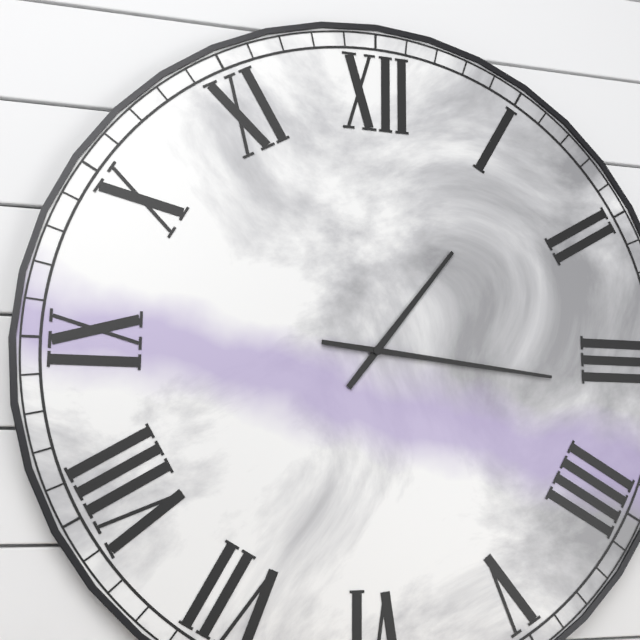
1:16
